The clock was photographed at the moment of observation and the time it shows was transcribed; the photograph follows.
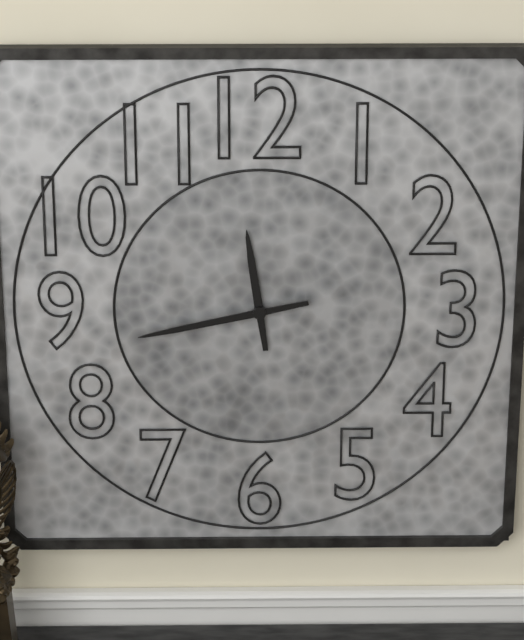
11:43
